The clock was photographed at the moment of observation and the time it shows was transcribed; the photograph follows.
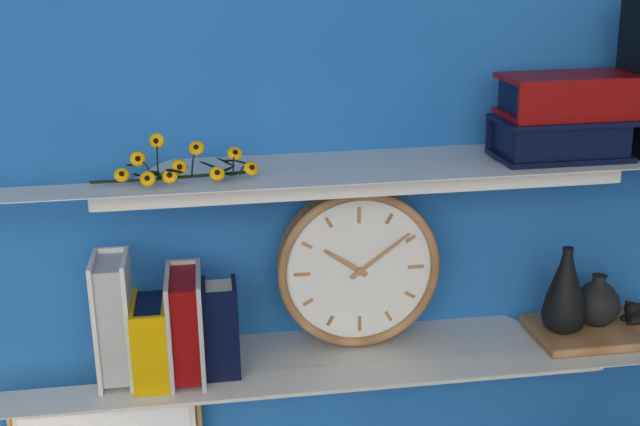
10:09
